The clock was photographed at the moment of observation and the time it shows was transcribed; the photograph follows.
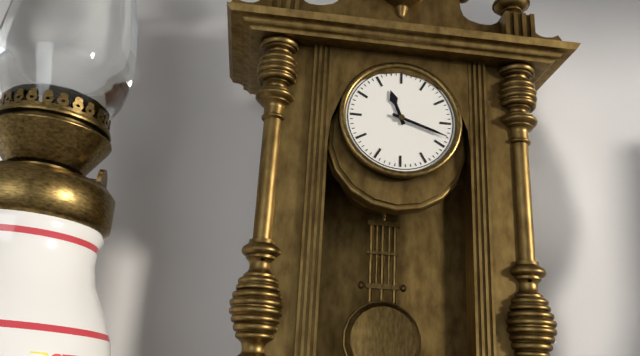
11:18
